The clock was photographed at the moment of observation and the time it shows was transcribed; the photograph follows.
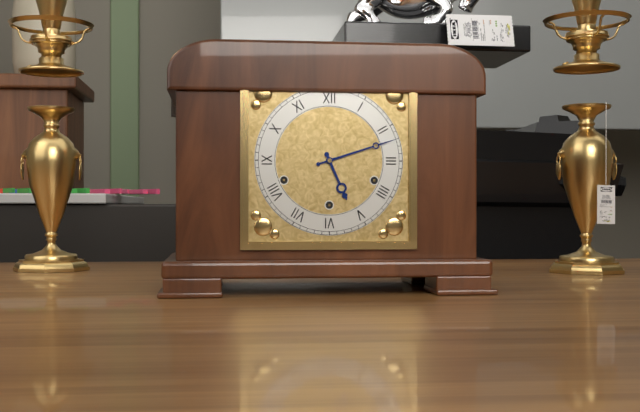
5:12
